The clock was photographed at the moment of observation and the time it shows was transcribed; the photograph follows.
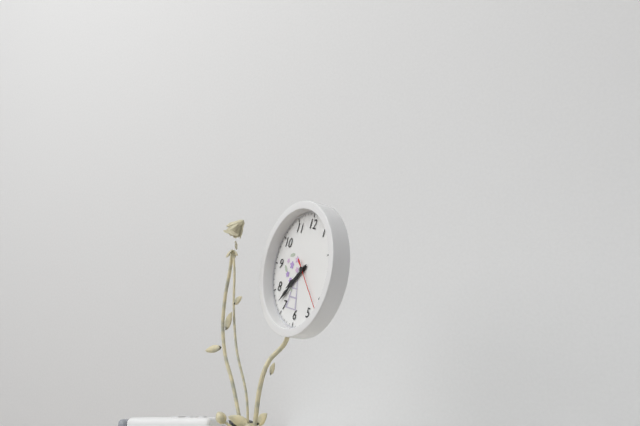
7:37:22
